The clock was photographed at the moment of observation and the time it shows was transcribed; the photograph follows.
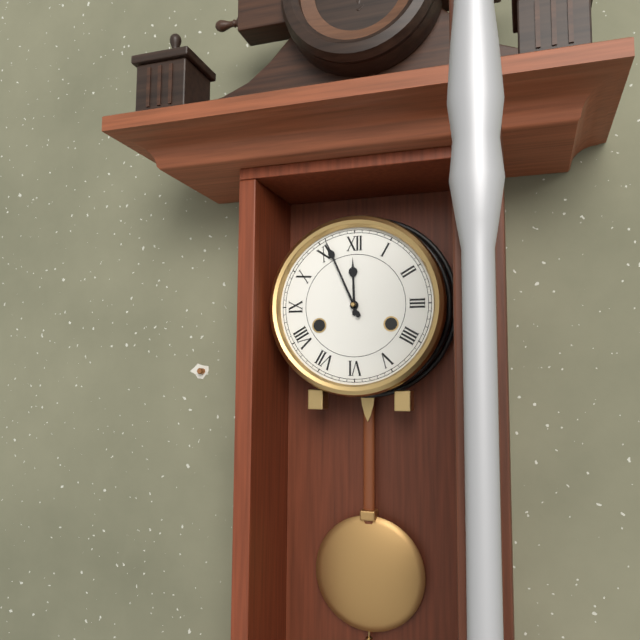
11:56
